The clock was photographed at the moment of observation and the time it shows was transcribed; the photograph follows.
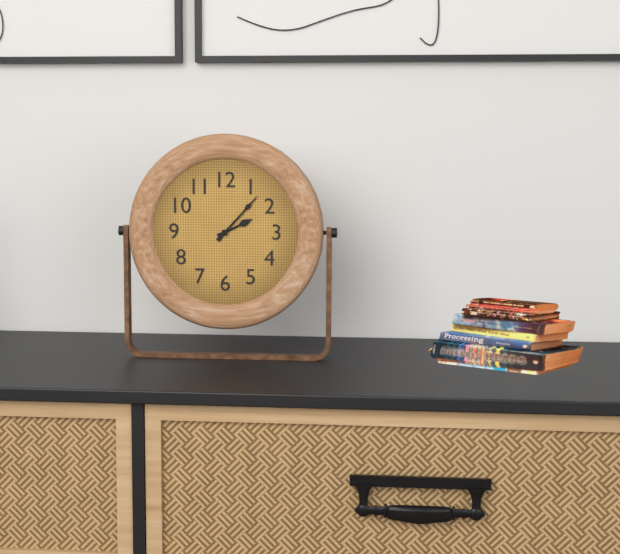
2:07
